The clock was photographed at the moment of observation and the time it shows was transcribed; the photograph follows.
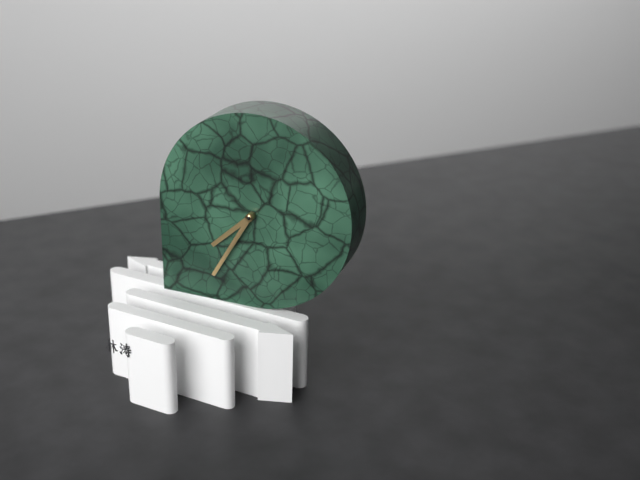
7:35
